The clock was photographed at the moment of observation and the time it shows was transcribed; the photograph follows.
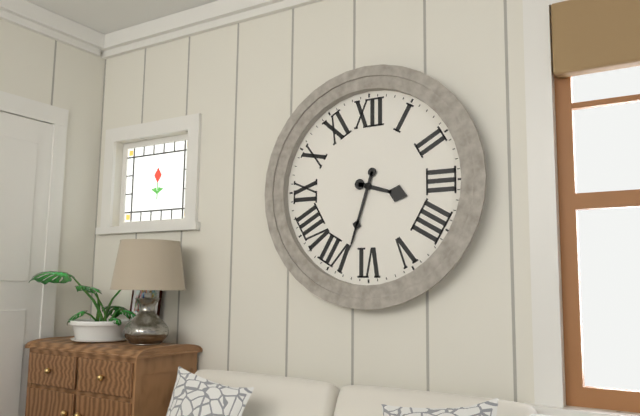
3:33
